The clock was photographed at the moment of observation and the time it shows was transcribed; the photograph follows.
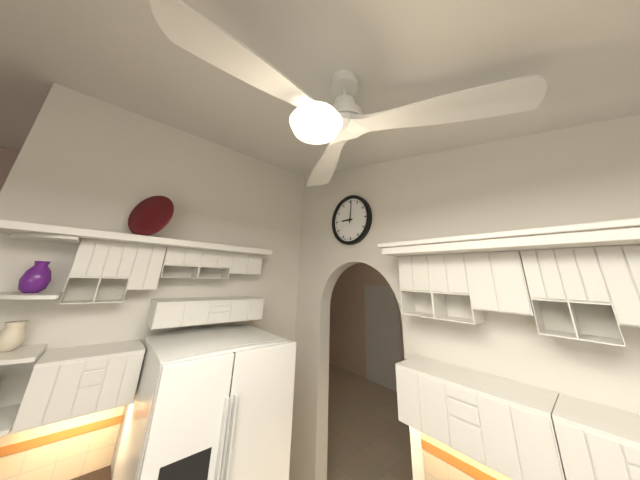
9:01
